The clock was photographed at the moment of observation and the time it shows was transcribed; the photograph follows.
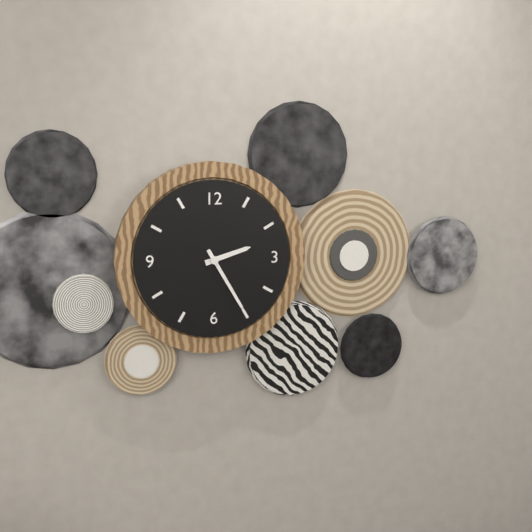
2:25
